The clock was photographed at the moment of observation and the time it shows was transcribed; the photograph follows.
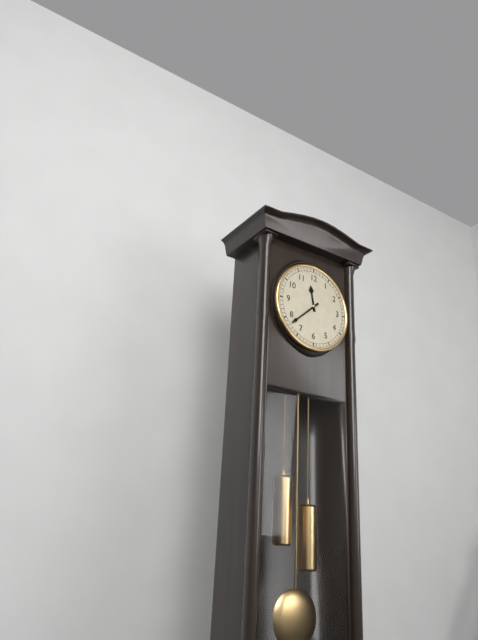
11:38
